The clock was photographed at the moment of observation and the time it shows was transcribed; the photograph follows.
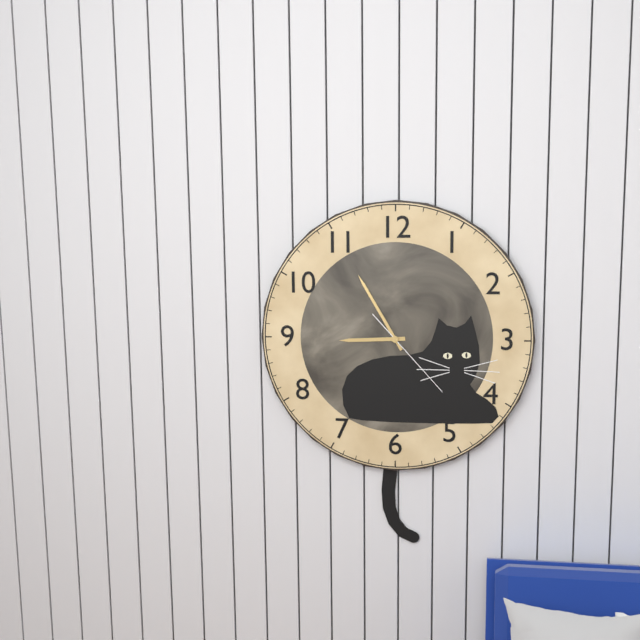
8:55:23
